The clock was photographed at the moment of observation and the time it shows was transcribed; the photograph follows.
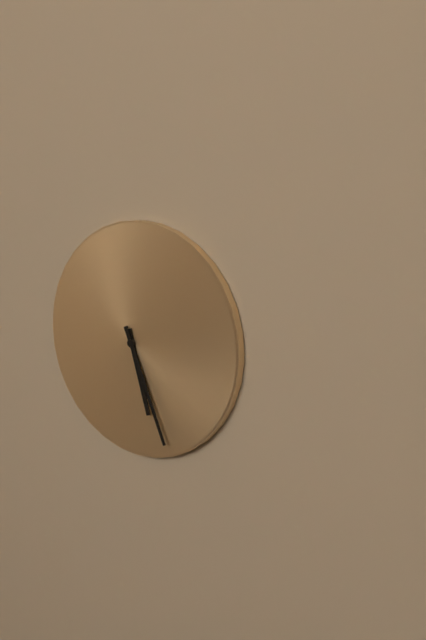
5:26
